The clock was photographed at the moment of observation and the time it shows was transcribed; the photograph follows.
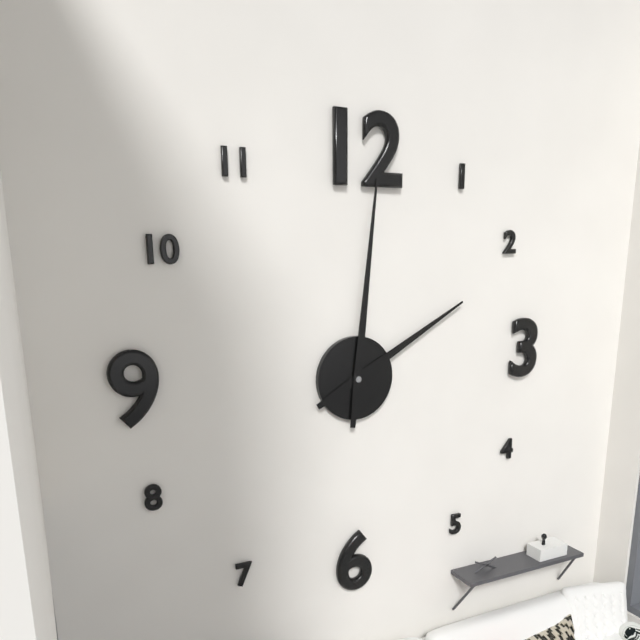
2:01
